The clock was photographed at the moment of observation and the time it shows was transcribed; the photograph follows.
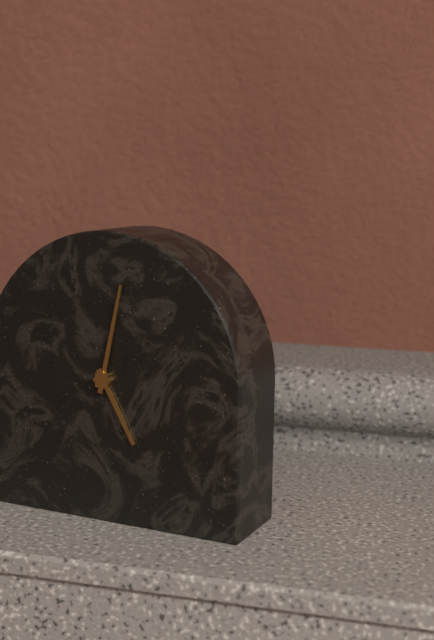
5:02
